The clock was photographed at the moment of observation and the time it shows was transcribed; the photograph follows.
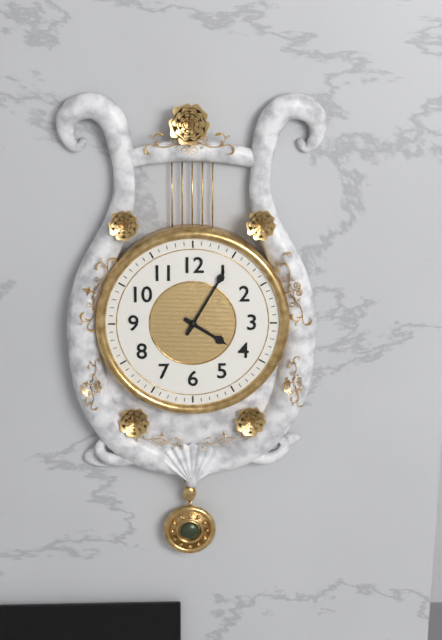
4:05
